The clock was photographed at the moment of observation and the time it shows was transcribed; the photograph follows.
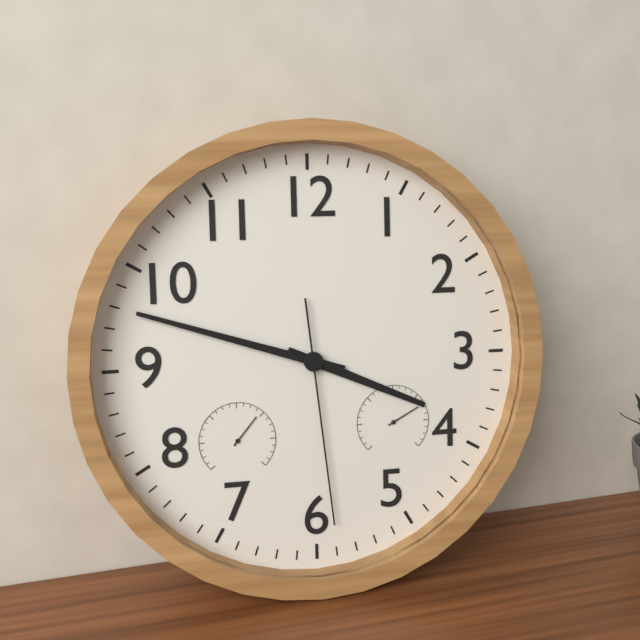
3:48:29
